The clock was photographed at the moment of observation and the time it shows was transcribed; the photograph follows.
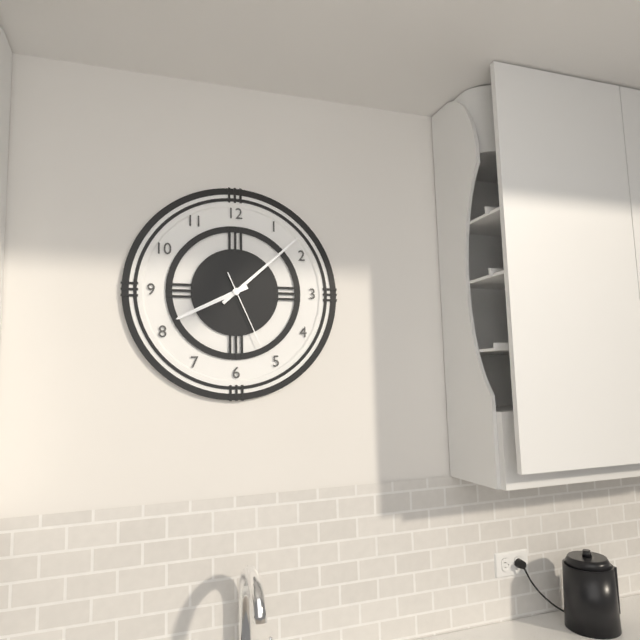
8:08:26
